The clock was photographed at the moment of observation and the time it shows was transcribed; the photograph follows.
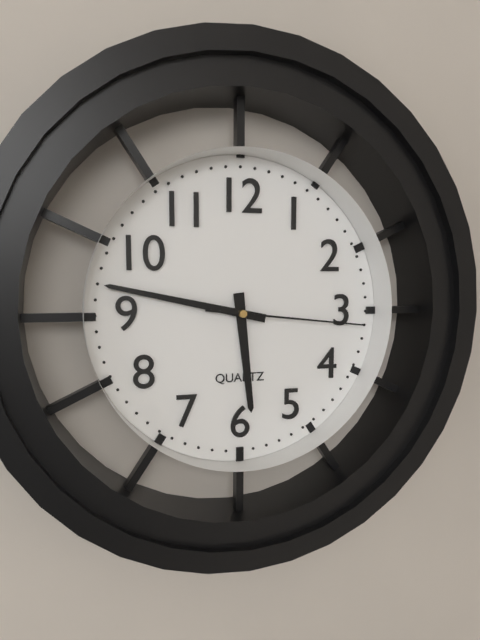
5:47:16
